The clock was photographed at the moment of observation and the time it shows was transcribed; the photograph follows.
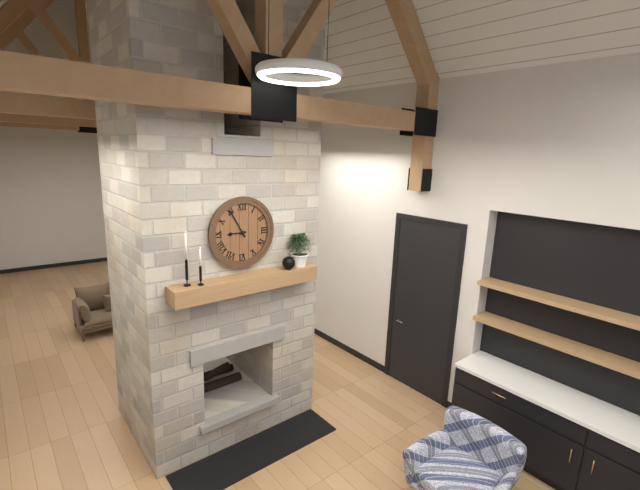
8:55
